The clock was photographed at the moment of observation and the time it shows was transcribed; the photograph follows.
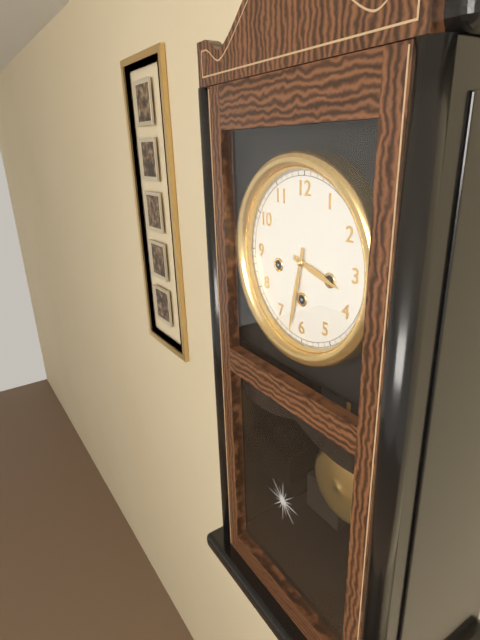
3:32
